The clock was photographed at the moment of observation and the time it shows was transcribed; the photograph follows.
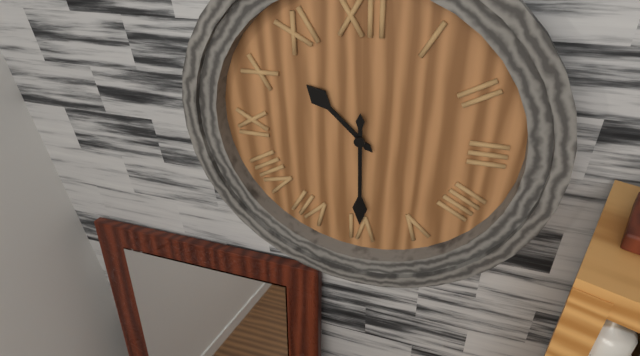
10:30
